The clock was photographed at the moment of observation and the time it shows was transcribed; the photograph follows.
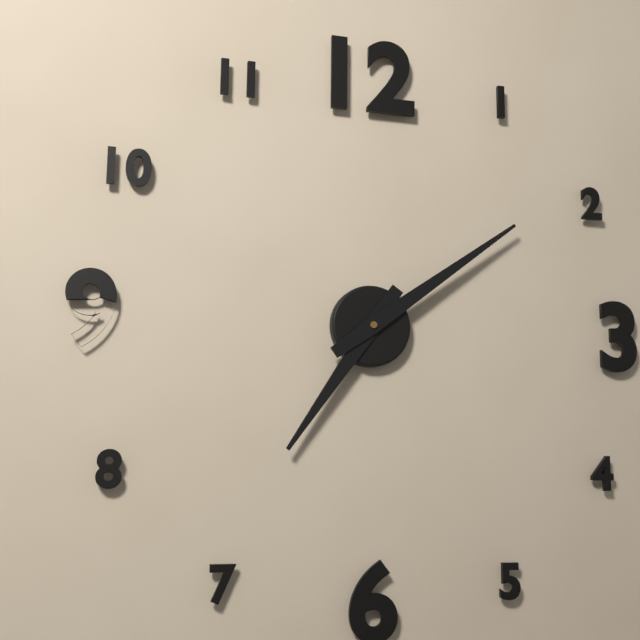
7:09
